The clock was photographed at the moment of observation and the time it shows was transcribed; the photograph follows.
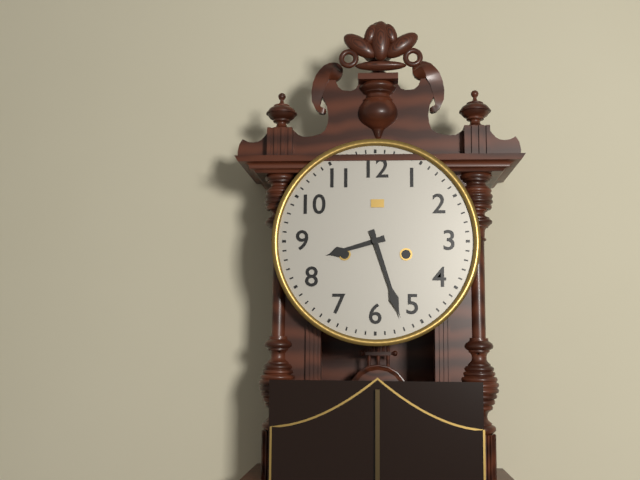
8:27
